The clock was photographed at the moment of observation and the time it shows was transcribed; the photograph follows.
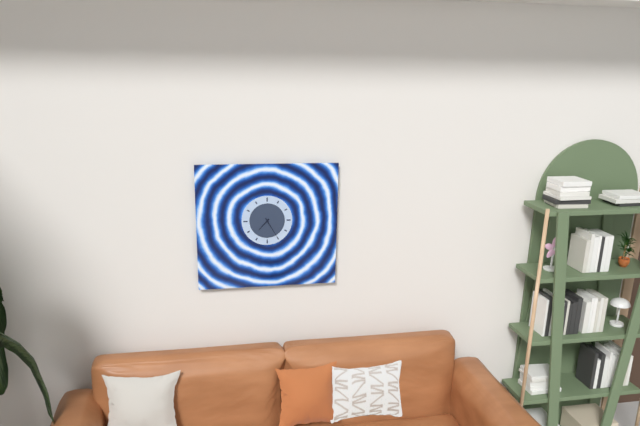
7:25
